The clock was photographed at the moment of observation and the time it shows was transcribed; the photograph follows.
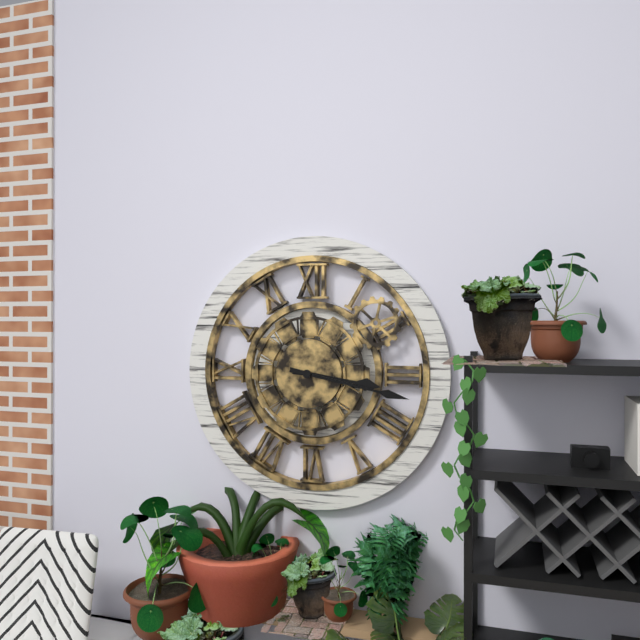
3:17
